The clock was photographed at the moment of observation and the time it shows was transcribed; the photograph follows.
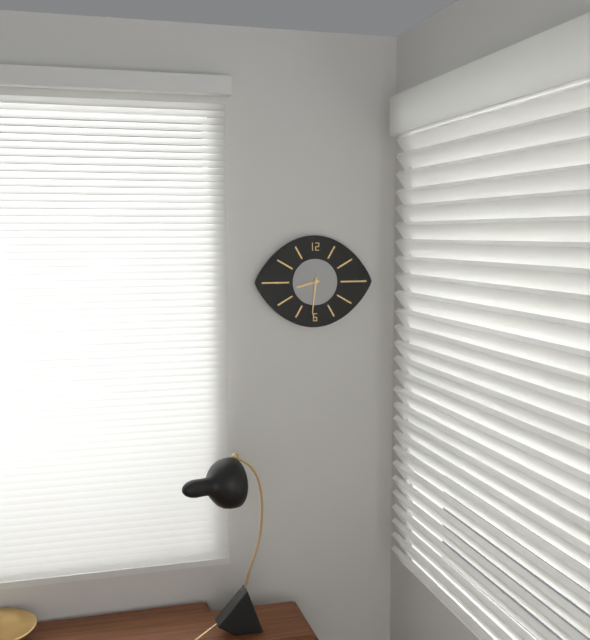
8:31
